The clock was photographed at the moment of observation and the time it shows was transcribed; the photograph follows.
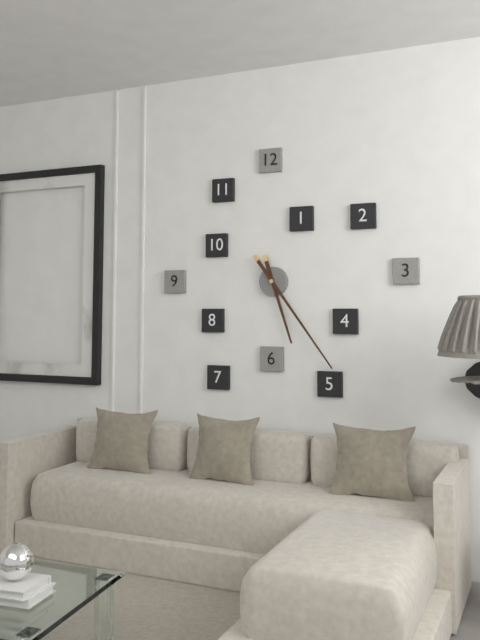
5:24
